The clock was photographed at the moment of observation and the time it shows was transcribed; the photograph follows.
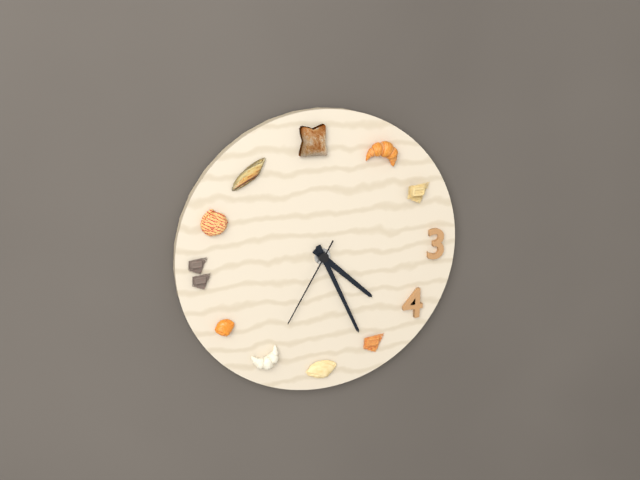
4:26:35
